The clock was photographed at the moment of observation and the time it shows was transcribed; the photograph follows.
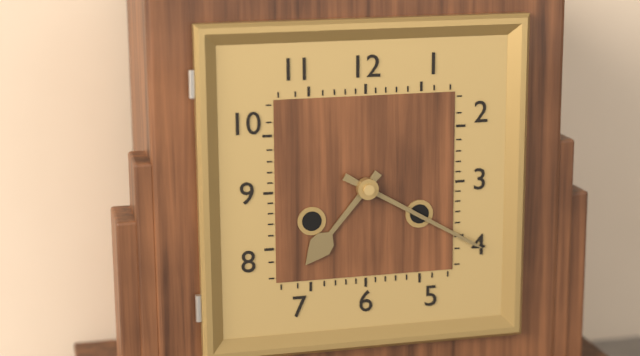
7:20
